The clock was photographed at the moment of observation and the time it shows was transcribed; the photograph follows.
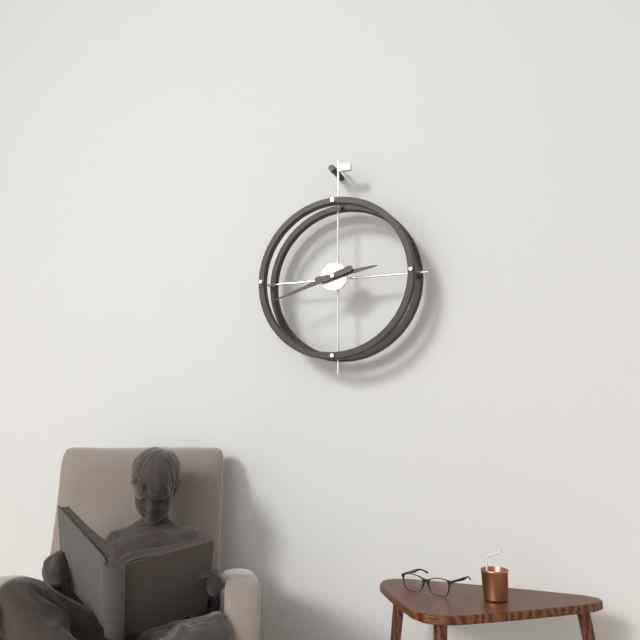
2:42
